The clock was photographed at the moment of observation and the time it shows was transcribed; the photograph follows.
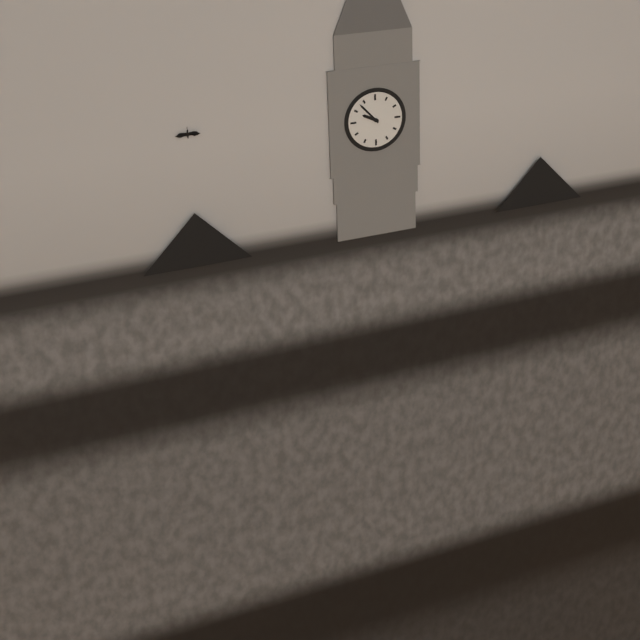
9:53
